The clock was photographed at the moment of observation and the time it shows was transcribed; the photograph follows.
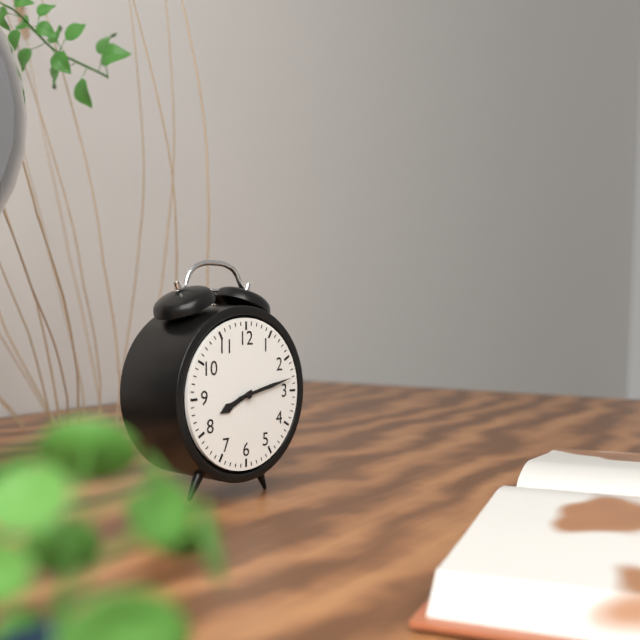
8:13
